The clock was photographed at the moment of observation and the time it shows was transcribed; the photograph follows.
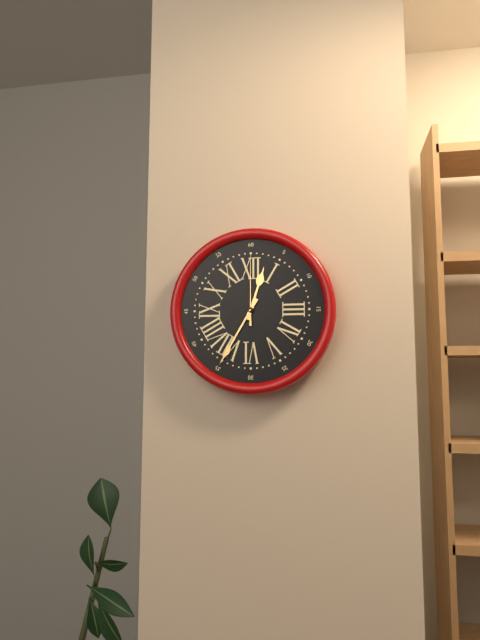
12:35:00
